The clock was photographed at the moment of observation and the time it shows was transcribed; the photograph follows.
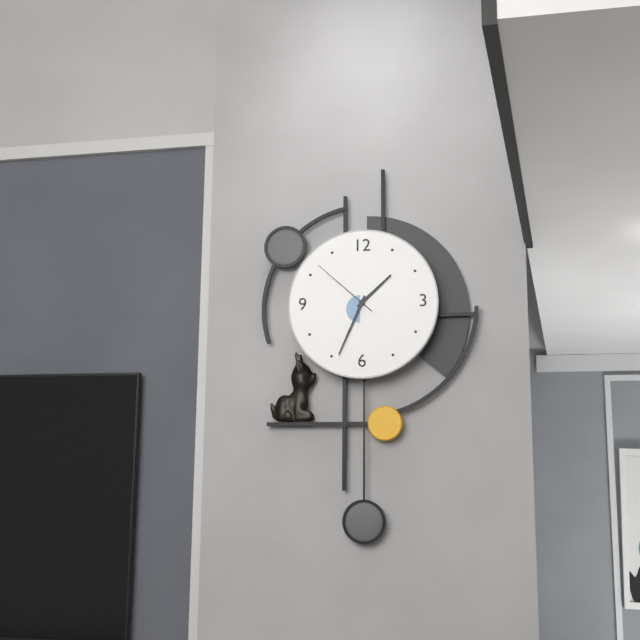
1:34:52
